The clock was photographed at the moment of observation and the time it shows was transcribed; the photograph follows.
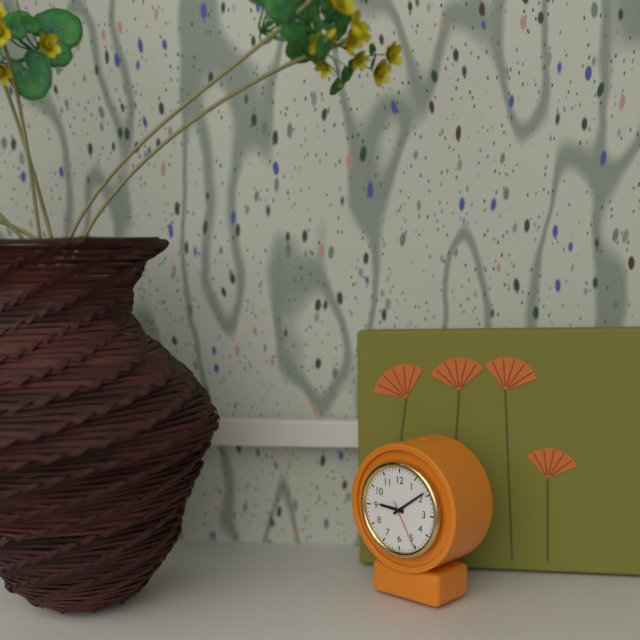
9:09:25
